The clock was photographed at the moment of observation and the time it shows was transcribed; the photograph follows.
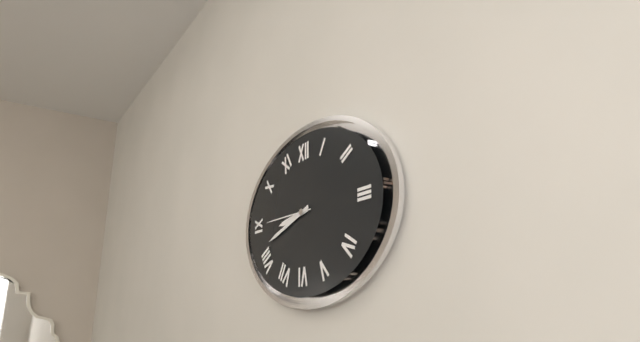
8:42:45
